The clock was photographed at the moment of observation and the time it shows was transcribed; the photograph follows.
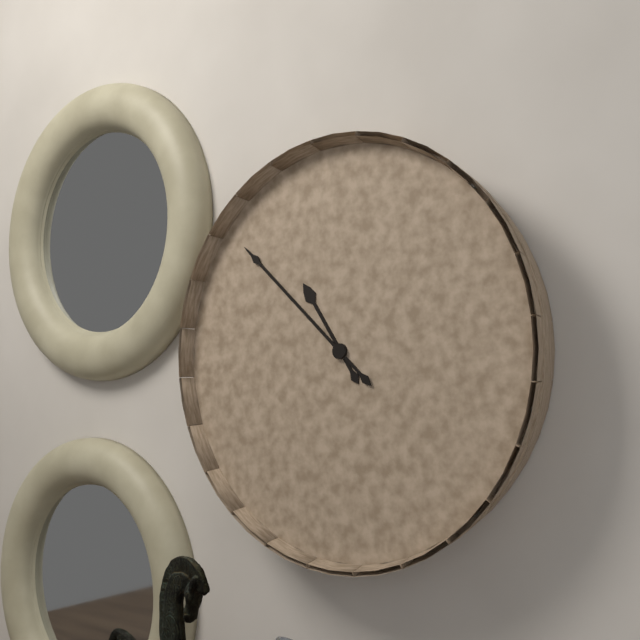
10:52
